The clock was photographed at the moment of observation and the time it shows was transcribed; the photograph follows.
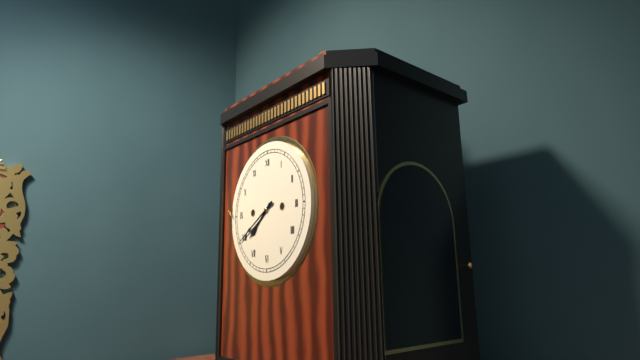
7:40
